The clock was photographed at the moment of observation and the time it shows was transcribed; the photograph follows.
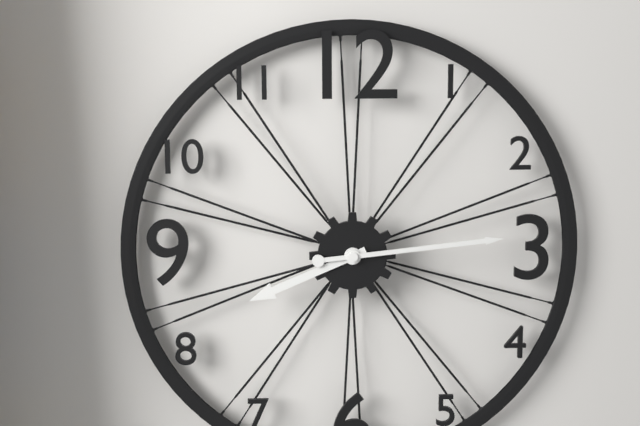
8:14
